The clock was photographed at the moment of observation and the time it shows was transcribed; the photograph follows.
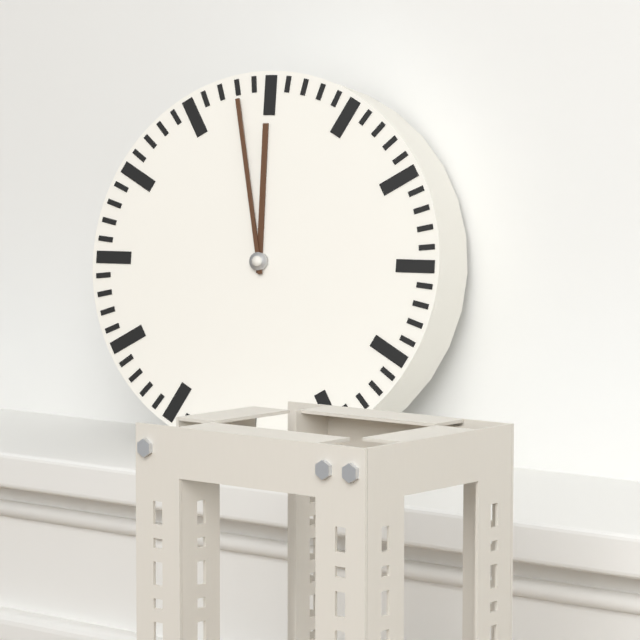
11:58
